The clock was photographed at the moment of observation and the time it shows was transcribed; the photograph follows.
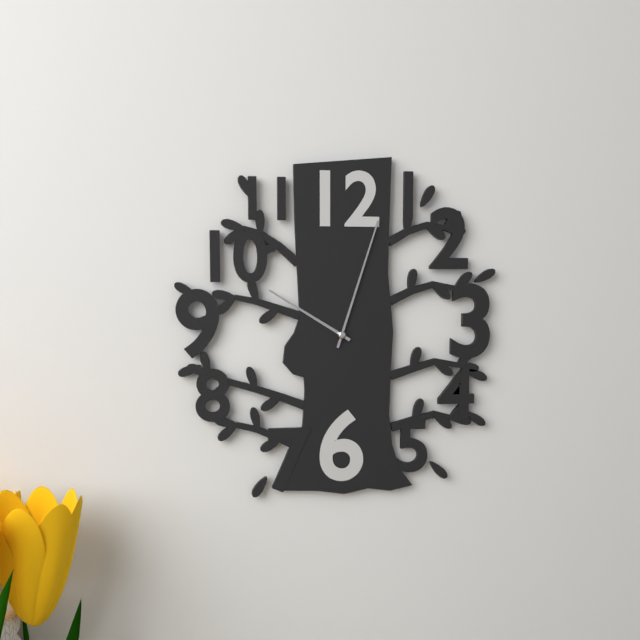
10:03
